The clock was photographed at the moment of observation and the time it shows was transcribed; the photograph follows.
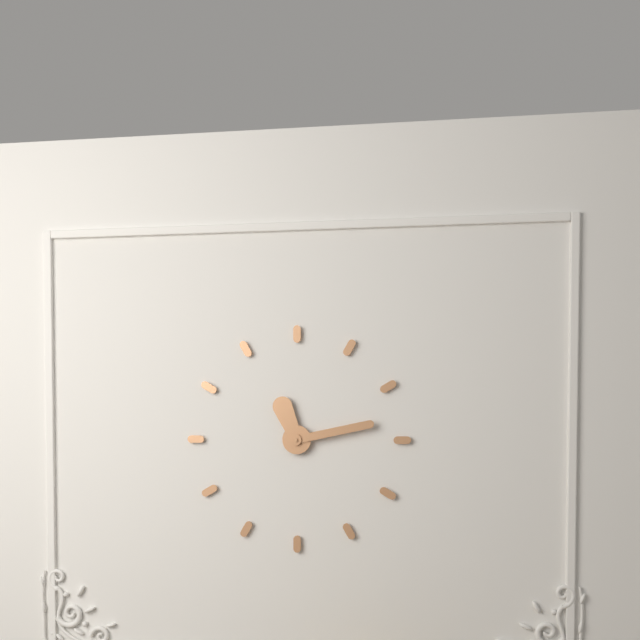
11:13
